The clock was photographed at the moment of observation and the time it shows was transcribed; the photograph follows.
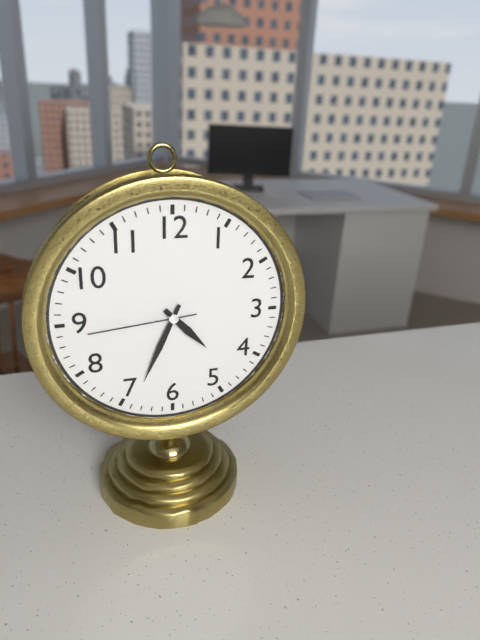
4:34:44
